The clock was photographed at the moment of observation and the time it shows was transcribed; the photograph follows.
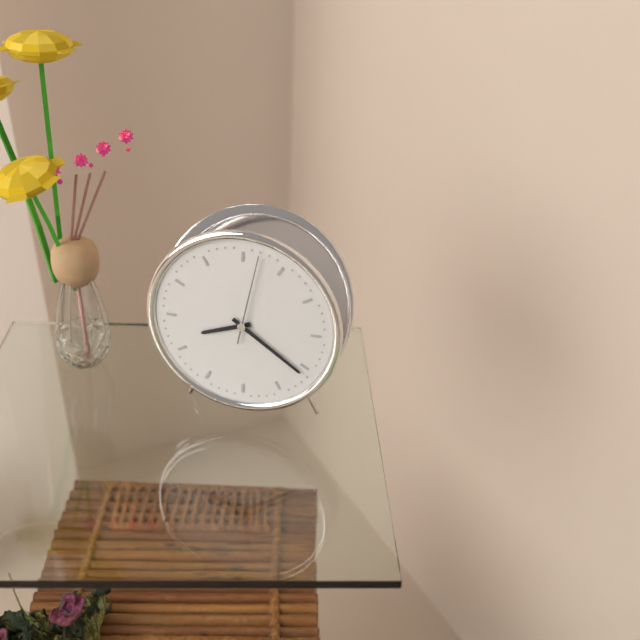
8:21:02
